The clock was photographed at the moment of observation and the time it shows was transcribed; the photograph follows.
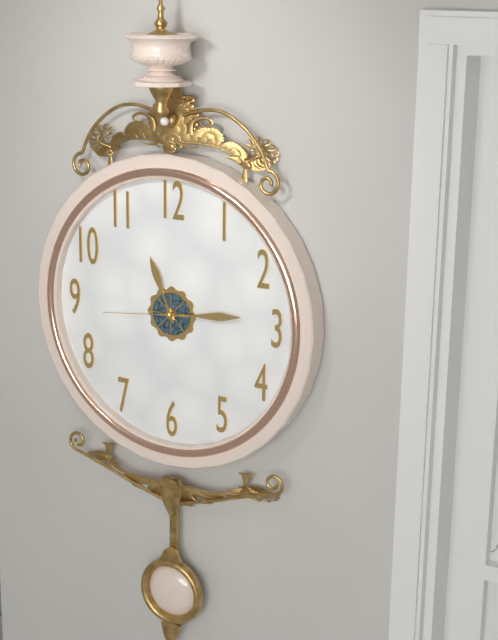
11:14:44
